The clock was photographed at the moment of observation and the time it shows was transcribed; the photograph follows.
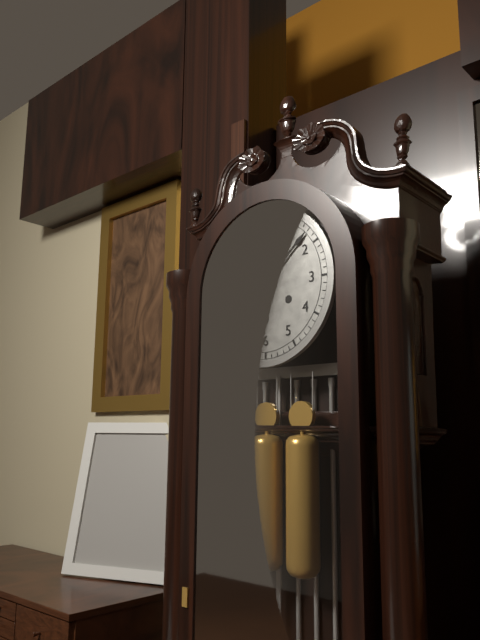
8:08
